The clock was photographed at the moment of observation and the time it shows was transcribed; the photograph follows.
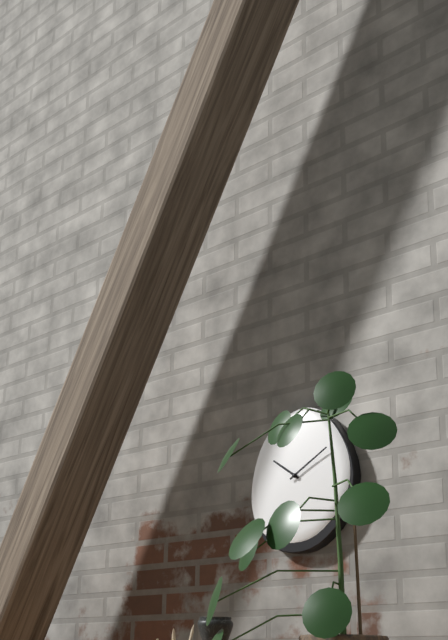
10:10
